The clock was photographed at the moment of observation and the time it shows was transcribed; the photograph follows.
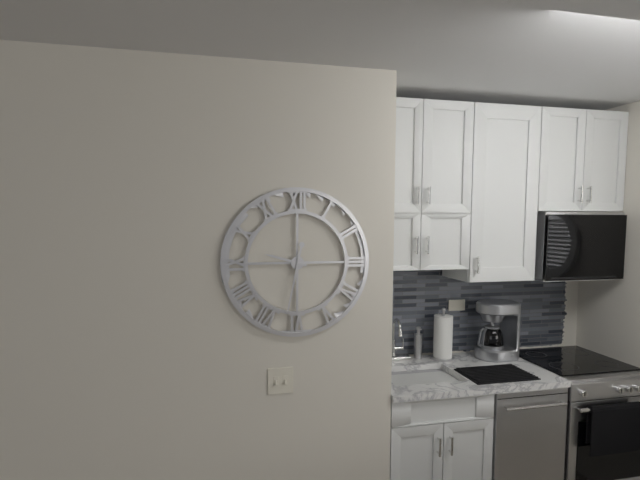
9:32
